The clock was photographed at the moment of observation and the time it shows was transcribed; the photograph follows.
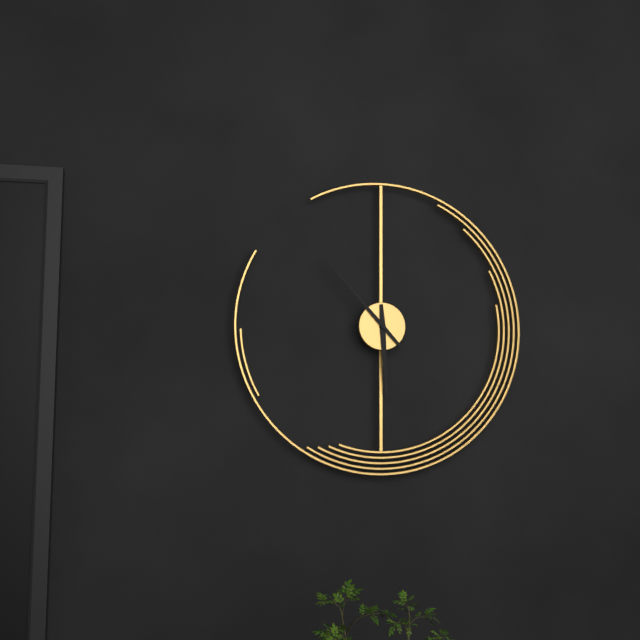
5:53
